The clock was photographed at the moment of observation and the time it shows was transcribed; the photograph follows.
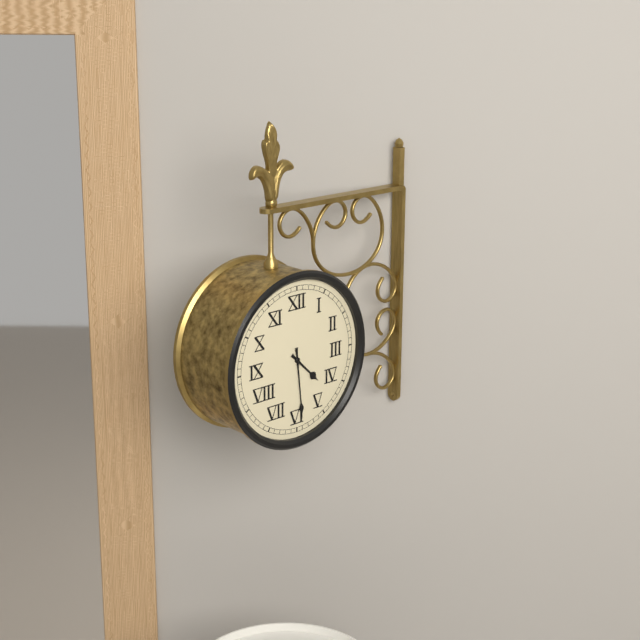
4:29
